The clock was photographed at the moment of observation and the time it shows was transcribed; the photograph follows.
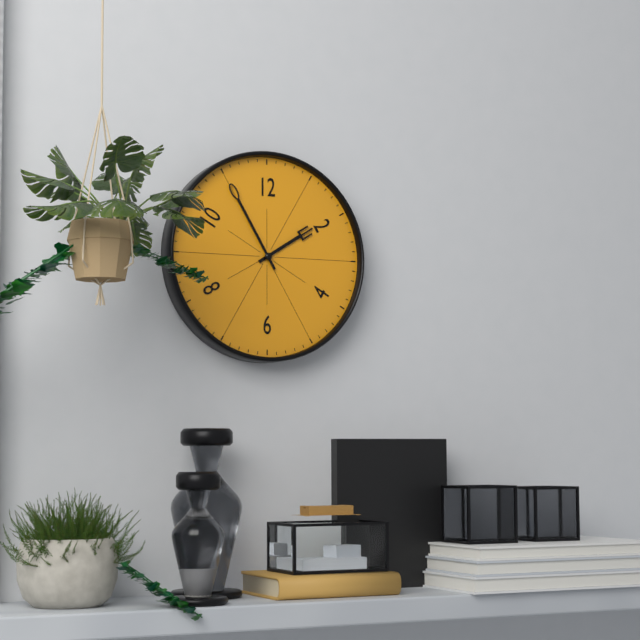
1:55
